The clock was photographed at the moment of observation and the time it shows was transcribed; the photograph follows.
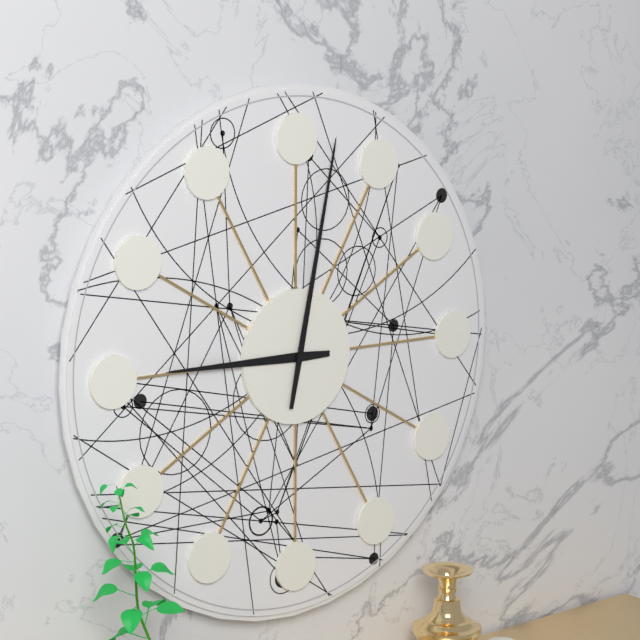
9:02
